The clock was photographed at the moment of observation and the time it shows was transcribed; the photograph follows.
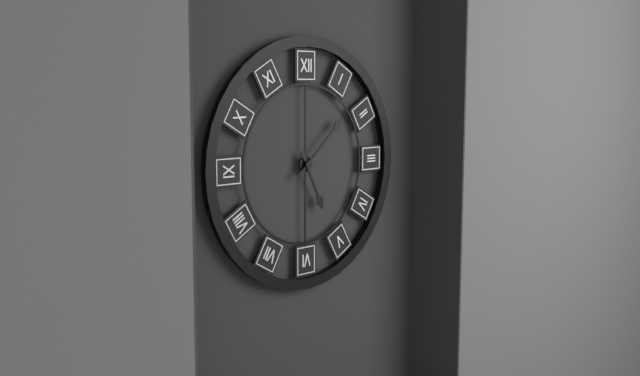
5:08
